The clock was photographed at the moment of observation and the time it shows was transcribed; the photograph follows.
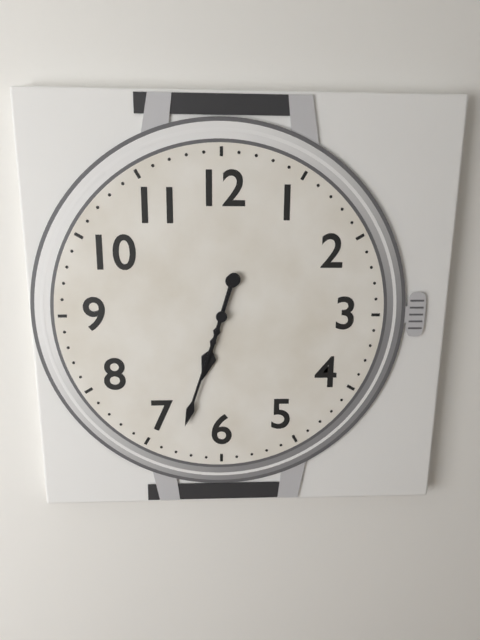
6:33
